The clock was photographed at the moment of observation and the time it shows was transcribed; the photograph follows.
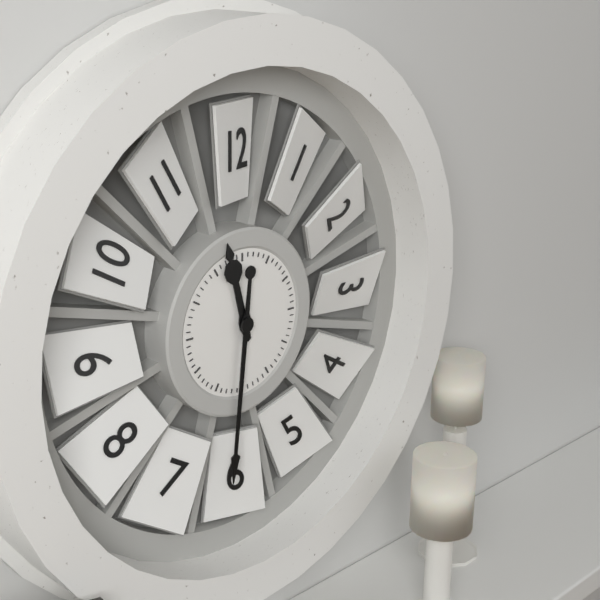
11:31
